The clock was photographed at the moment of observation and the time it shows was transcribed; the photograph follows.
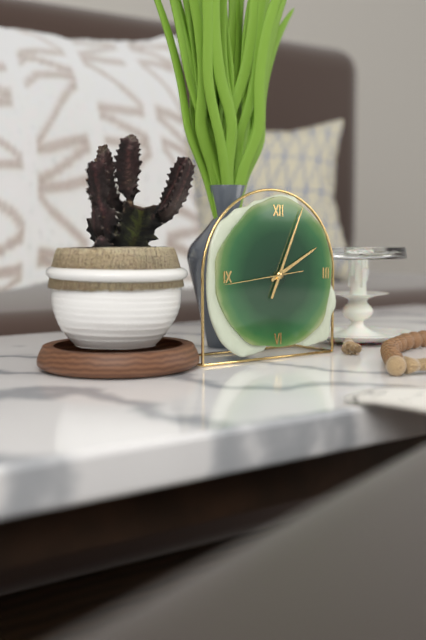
2:04:44
